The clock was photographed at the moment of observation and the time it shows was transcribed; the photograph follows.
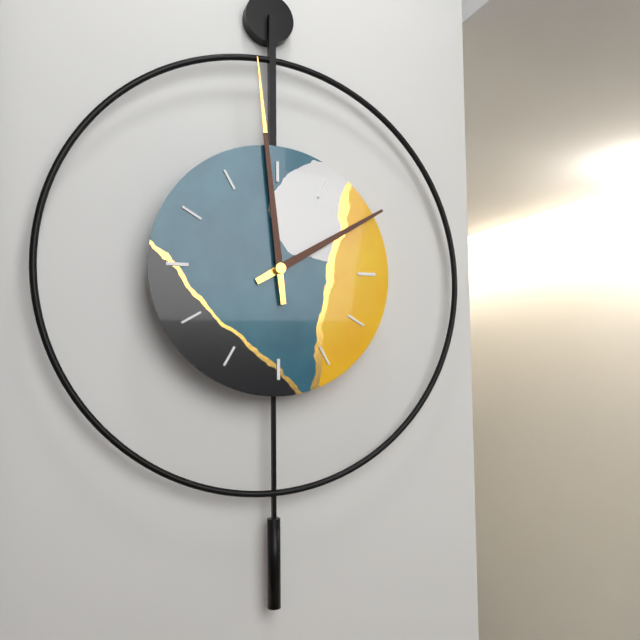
1:59
